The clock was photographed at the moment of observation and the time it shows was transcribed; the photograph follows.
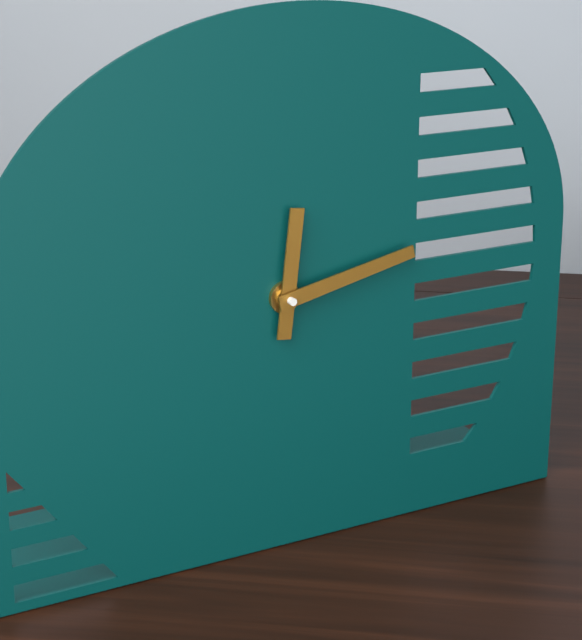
12:13
